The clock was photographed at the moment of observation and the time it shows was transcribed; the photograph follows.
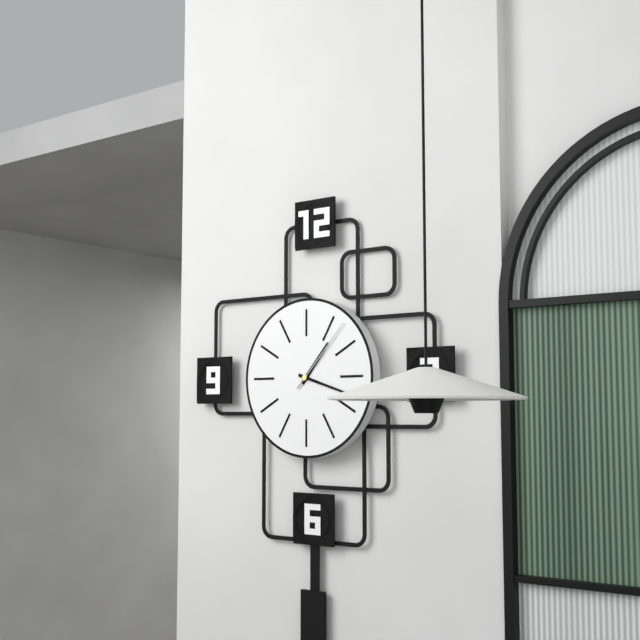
1:18:07
